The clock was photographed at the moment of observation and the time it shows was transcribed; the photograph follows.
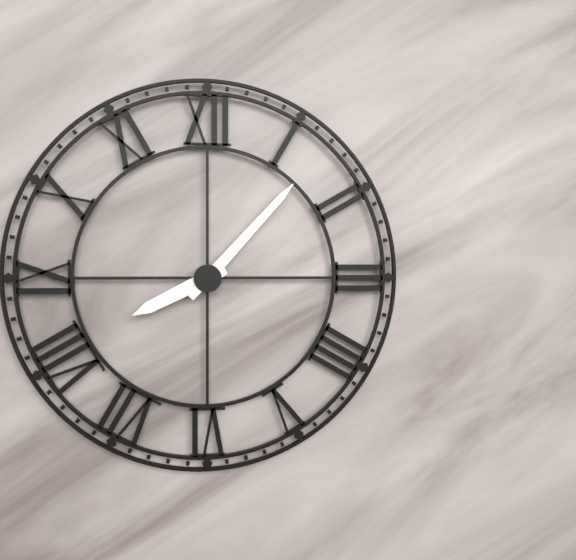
8:07
